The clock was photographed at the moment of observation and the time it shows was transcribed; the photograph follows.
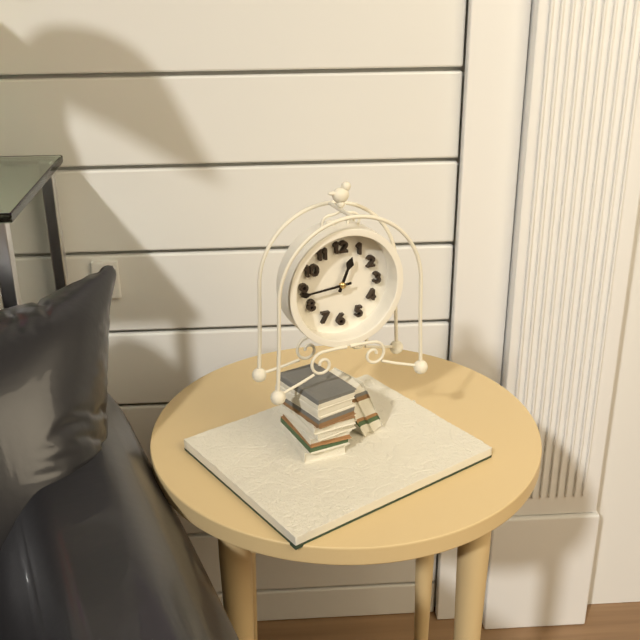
12:44
